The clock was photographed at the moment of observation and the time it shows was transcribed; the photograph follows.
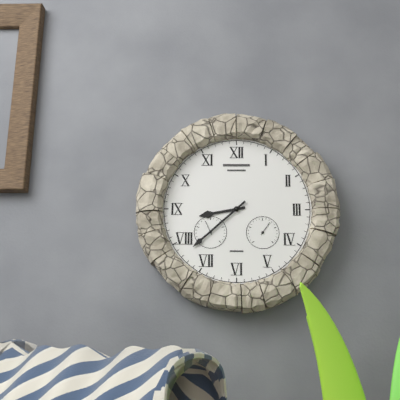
8:38
